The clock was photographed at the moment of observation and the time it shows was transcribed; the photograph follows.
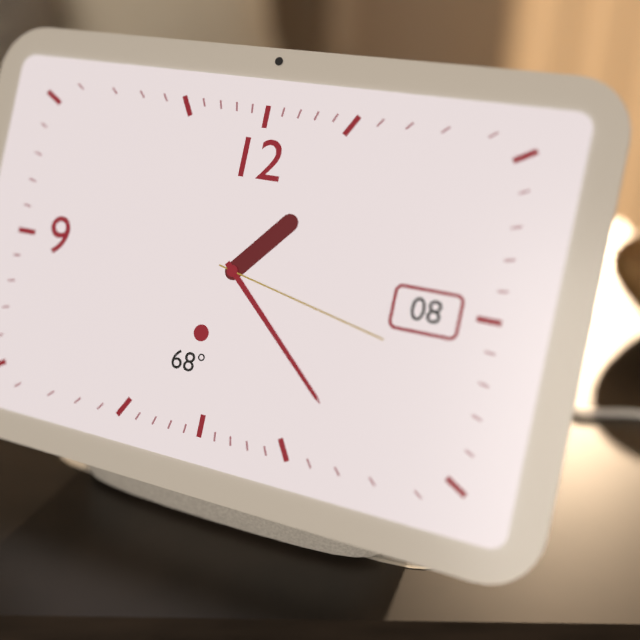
1:22:17
